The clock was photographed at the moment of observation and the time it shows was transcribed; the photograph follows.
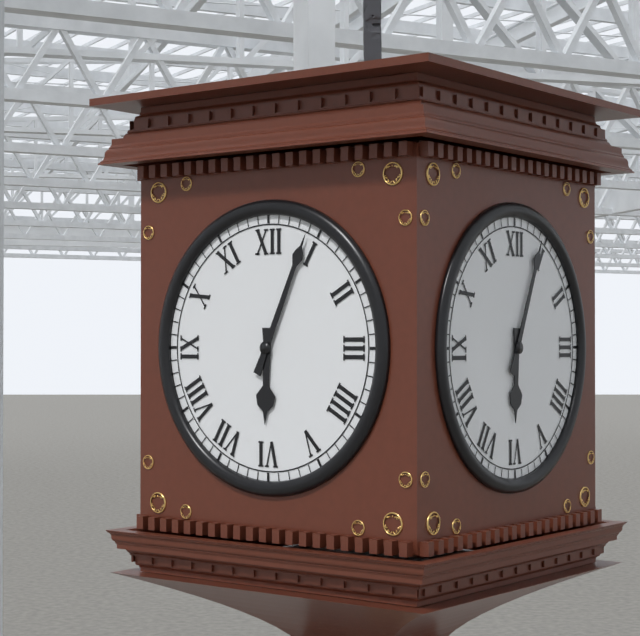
6:04
